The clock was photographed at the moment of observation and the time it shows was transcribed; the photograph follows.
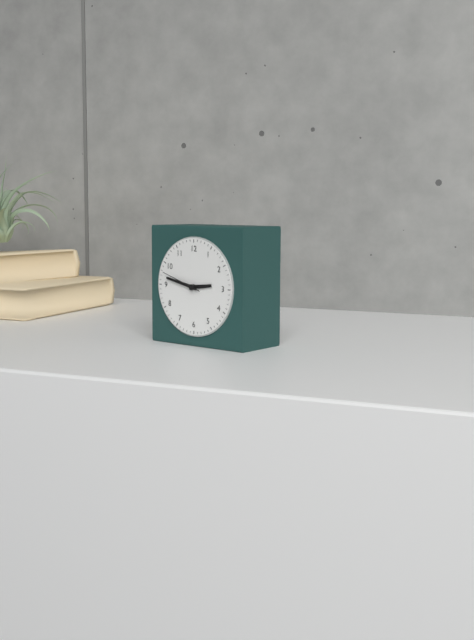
2:47
